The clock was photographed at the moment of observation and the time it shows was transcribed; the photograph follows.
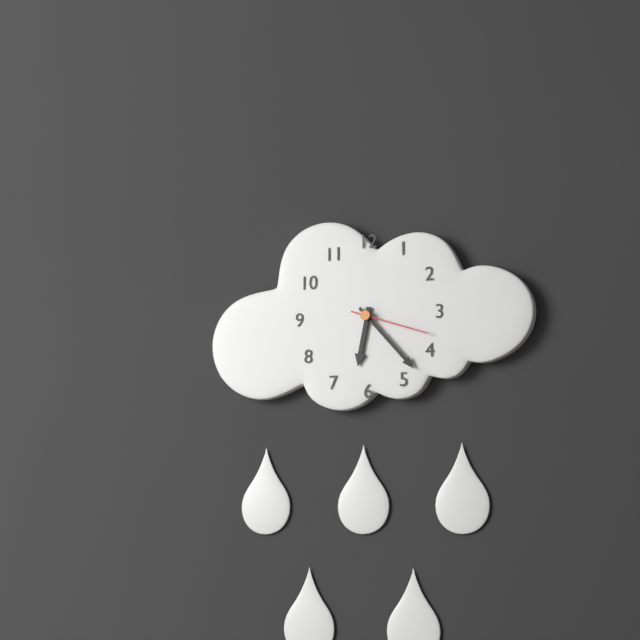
6:23:18
